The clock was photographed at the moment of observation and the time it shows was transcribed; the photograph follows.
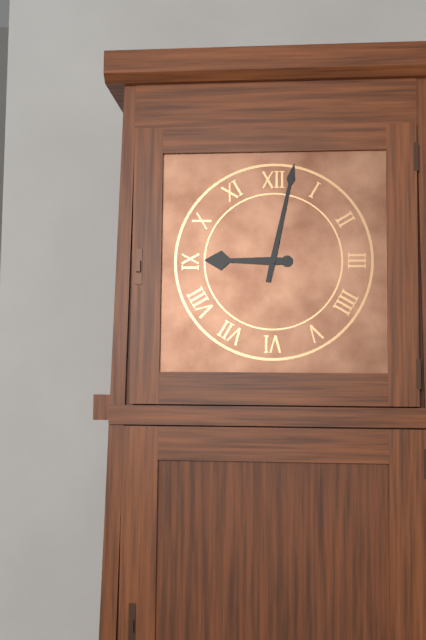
9:02
